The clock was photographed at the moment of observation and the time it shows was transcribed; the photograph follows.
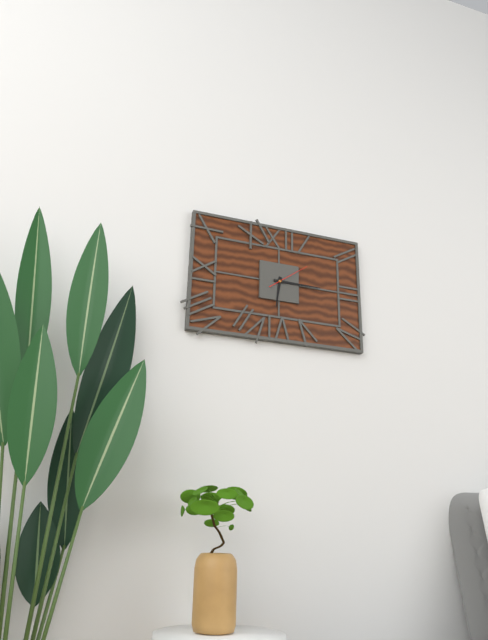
6:15
